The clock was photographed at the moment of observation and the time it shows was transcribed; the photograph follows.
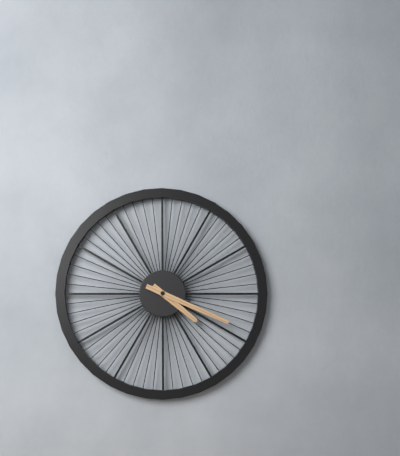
4:19
